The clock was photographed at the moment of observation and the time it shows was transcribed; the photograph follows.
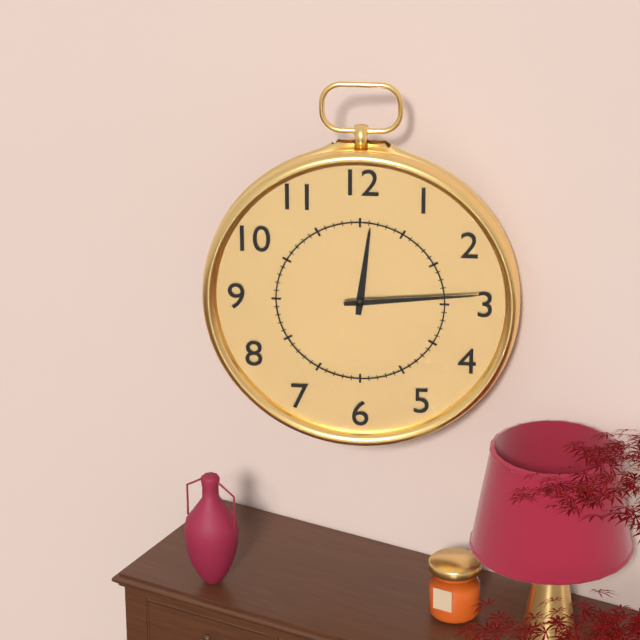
12:14
